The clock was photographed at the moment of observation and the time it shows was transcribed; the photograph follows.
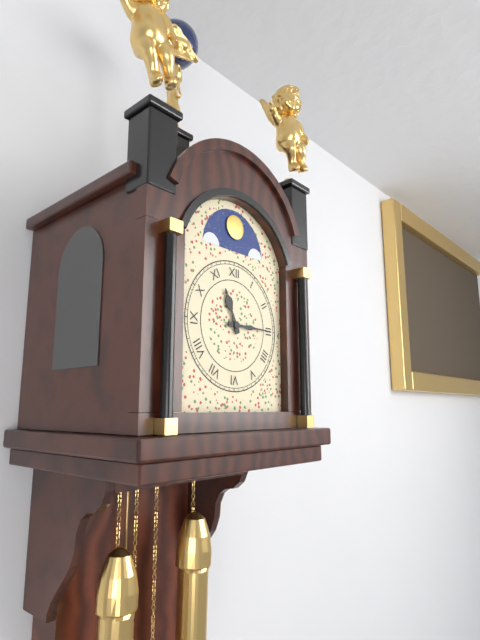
11:15
